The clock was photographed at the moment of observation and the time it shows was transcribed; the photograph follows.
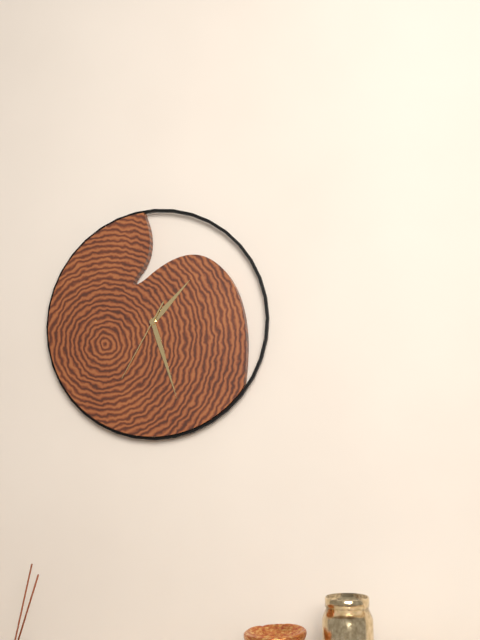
1:27:35
